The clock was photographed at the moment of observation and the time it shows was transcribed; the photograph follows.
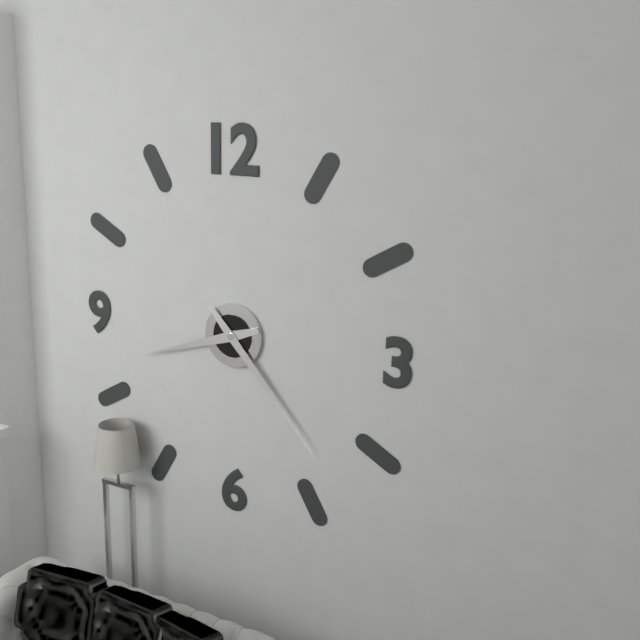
8:23
